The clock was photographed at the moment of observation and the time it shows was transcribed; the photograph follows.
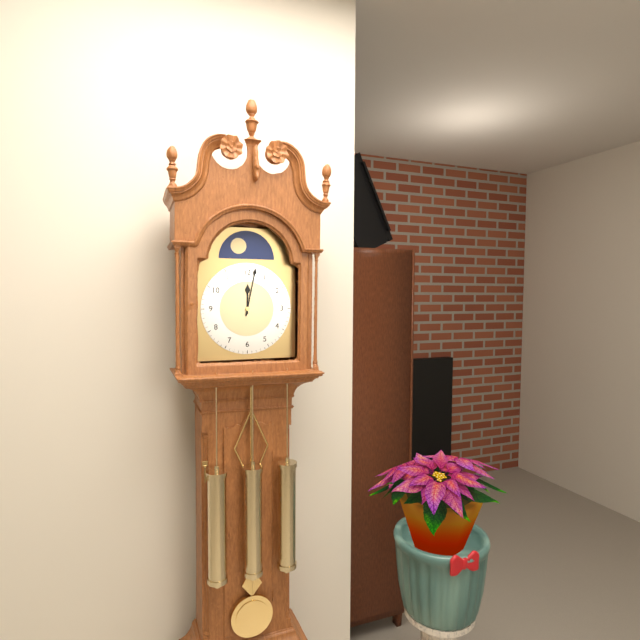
12:02
